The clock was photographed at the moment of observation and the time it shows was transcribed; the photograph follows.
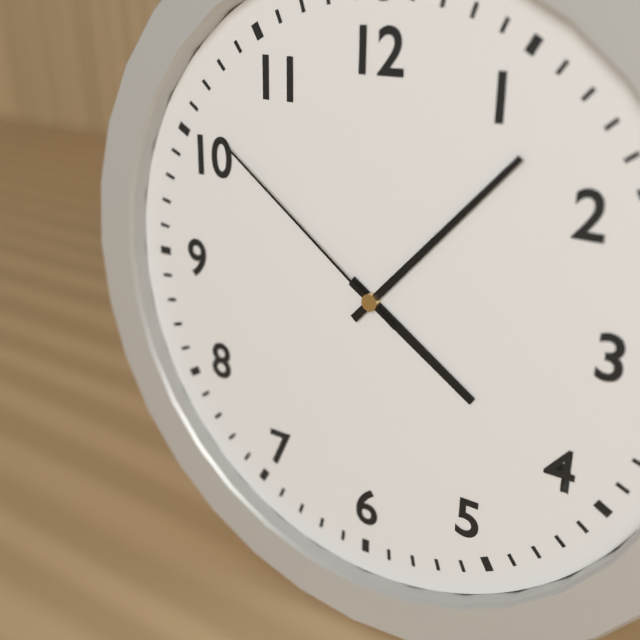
4:07:51
